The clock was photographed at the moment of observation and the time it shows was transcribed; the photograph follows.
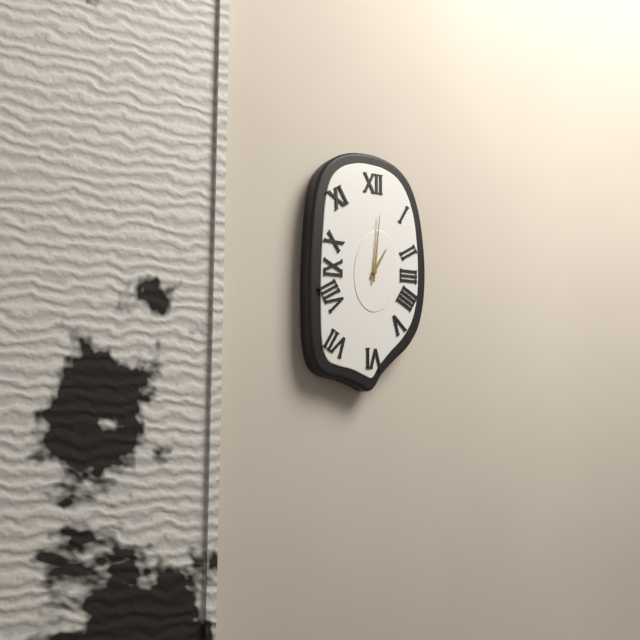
1:01
